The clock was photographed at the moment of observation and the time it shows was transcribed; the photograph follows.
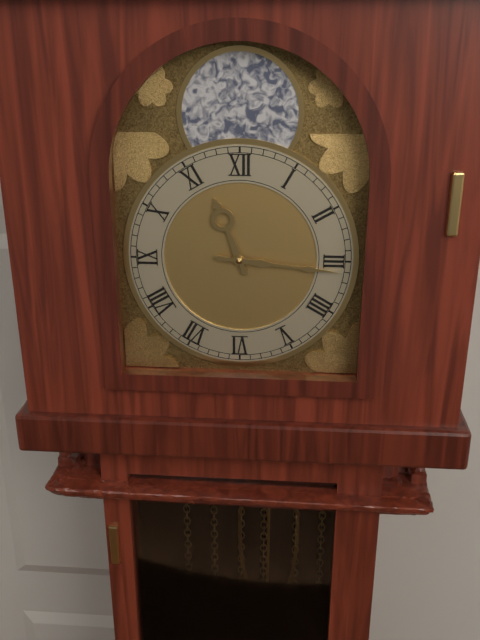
11:16
